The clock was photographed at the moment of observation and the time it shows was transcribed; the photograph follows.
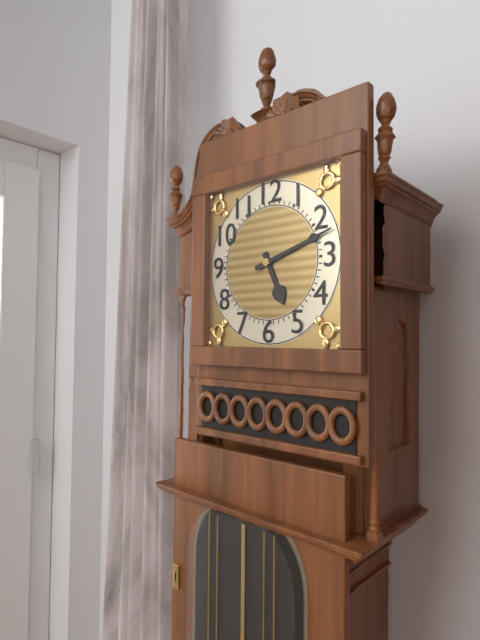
5:12
